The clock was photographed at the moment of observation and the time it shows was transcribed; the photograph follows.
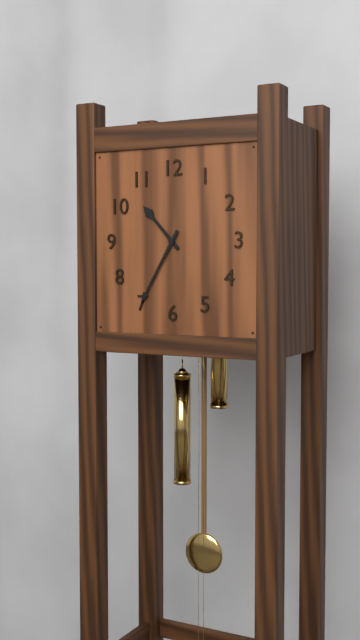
10:35
